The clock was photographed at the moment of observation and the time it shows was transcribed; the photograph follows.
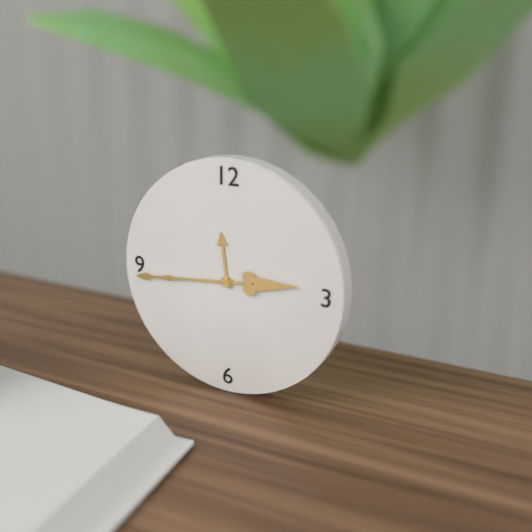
11:44
